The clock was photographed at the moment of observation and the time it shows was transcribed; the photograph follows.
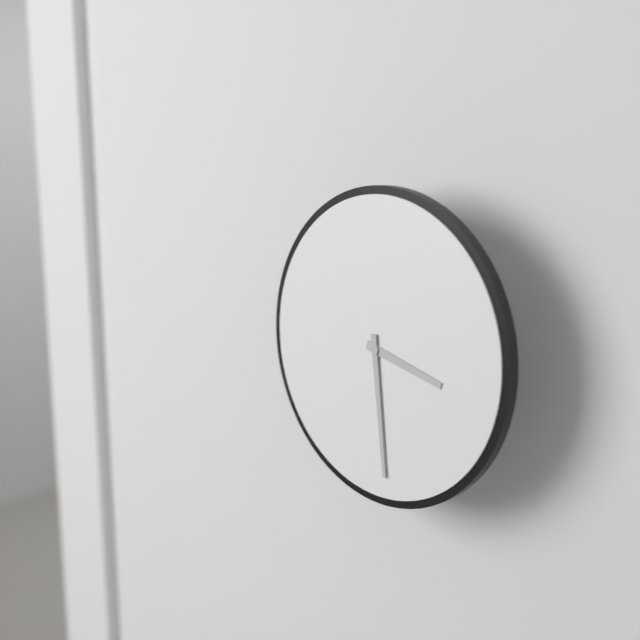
3:29
